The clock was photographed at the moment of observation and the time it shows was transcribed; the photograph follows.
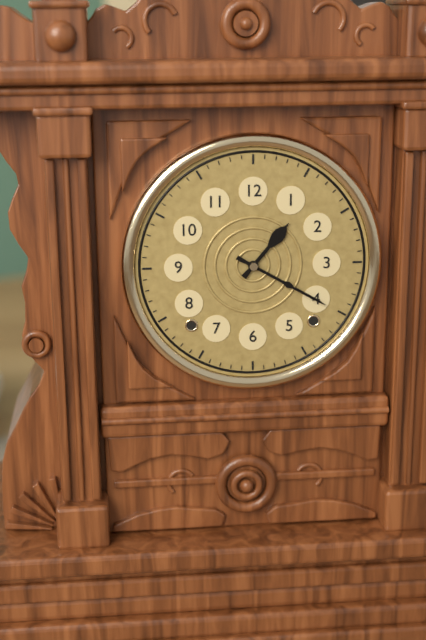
1:20
